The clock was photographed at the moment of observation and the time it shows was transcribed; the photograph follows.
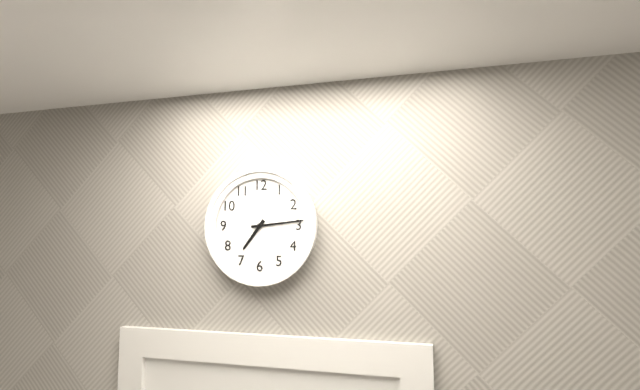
7:14
